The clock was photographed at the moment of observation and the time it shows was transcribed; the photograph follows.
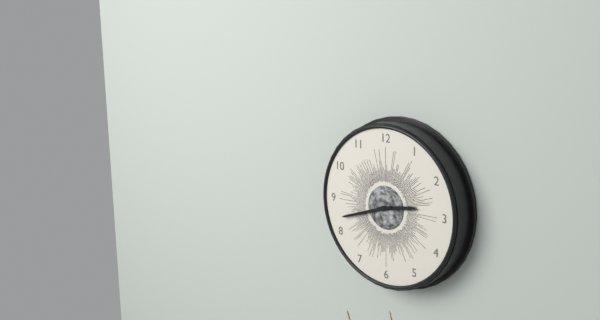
2:42
